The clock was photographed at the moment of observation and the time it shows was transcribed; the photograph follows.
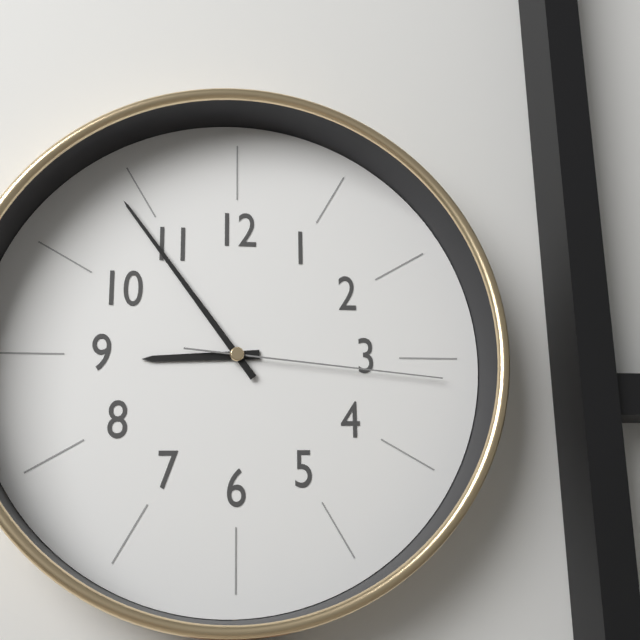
8:54:16
